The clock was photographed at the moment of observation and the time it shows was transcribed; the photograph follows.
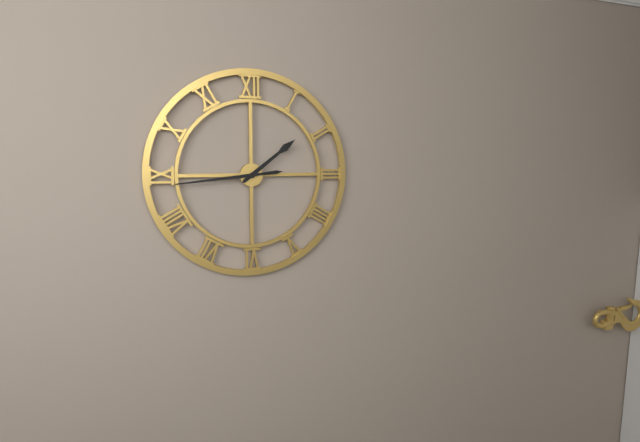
1:44
